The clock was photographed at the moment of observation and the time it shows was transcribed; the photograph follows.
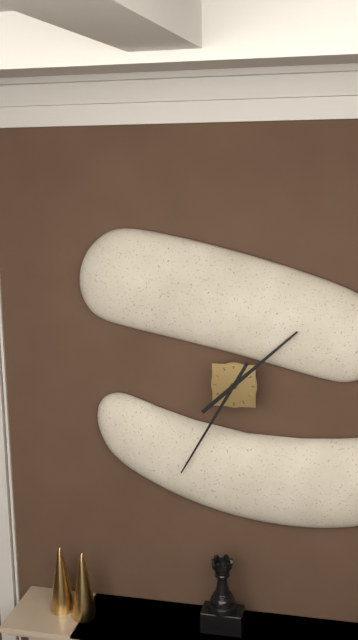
1:35
